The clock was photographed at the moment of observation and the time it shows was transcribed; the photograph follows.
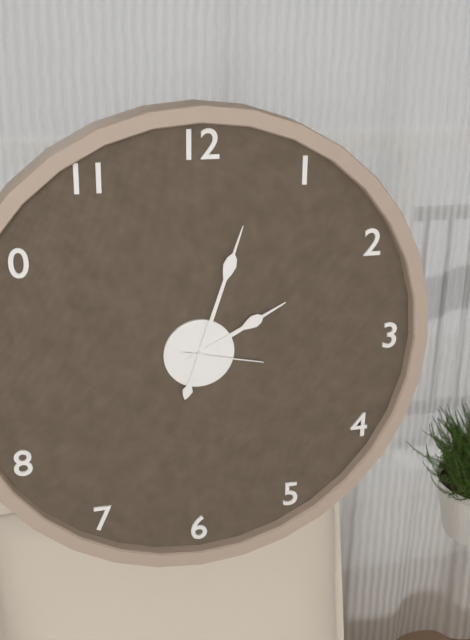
2:03:17
